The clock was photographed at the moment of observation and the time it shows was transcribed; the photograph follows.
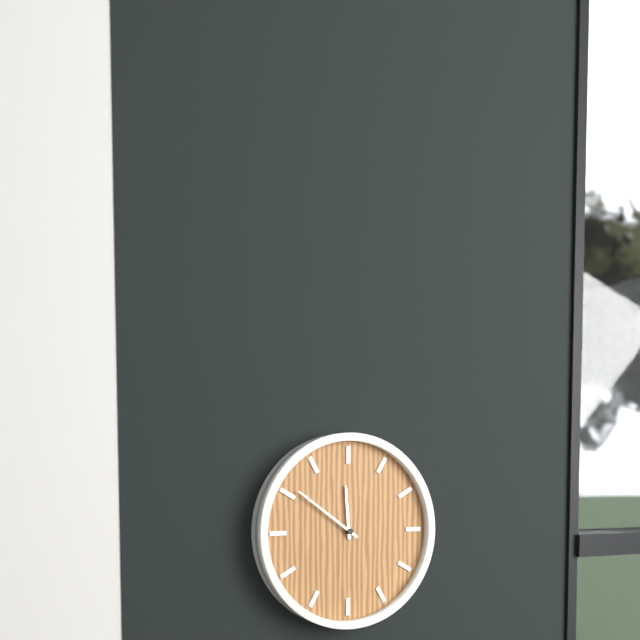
11:51
